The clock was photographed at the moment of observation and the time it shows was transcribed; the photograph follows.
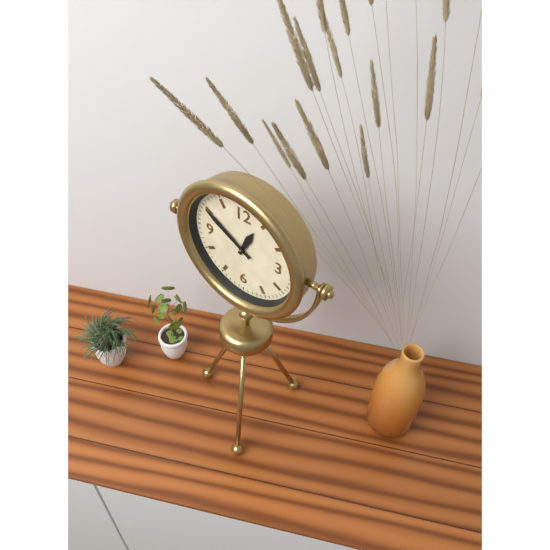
12:50
